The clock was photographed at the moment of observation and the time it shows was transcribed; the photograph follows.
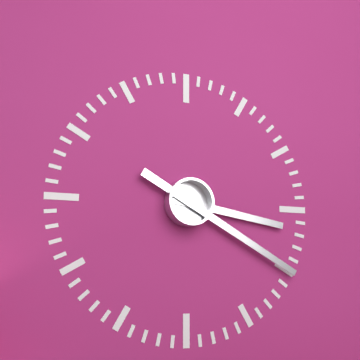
3:20
